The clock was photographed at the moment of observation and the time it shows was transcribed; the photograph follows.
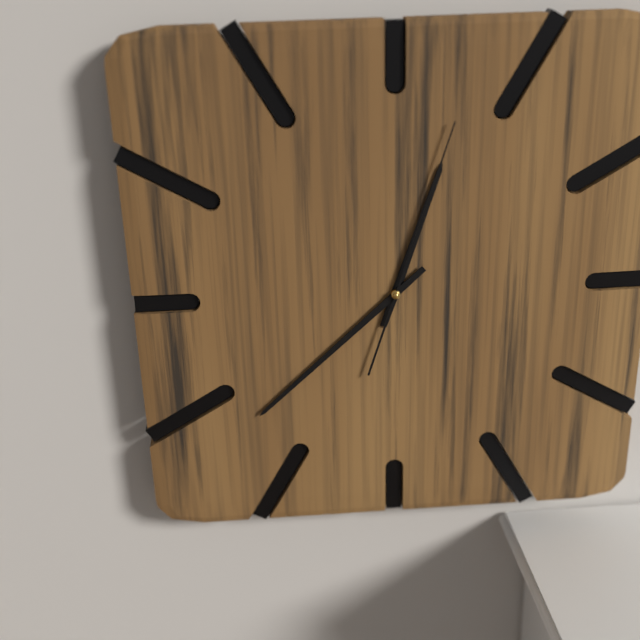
12:38:03
